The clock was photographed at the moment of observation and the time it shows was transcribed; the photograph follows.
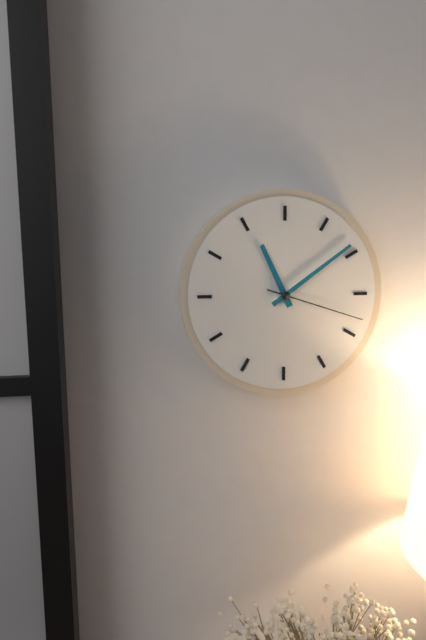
11:09:18
